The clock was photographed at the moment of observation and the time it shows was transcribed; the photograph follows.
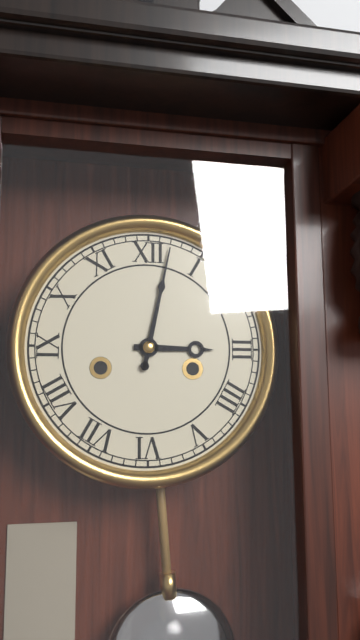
3:02
